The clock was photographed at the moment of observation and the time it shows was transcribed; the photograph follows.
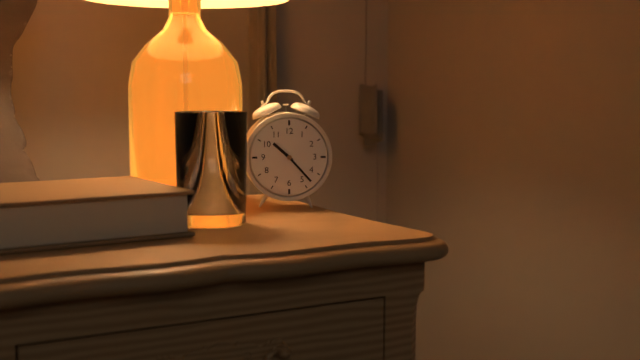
10:23
